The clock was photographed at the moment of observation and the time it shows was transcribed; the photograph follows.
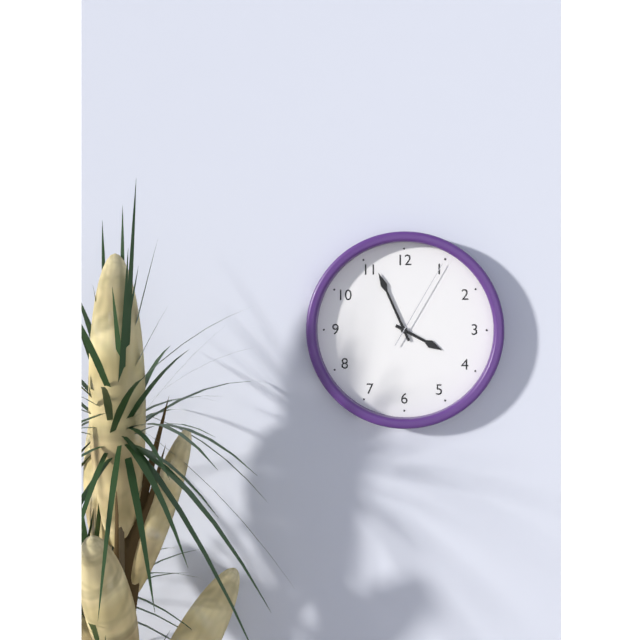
3:56:05
